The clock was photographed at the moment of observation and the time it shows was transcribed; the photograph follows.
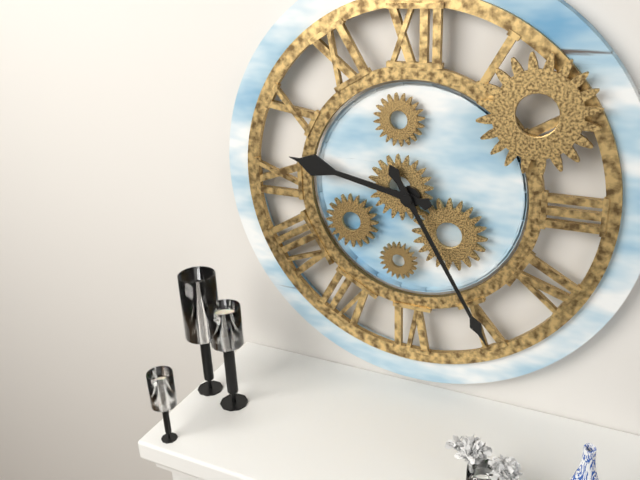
9:25
